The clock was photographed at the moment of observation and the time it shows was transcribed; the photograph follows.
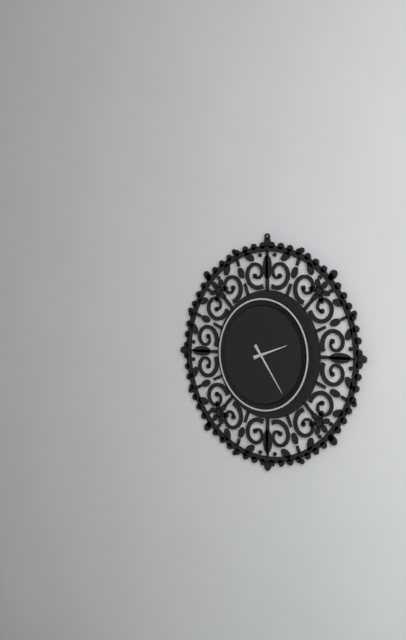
2:24
